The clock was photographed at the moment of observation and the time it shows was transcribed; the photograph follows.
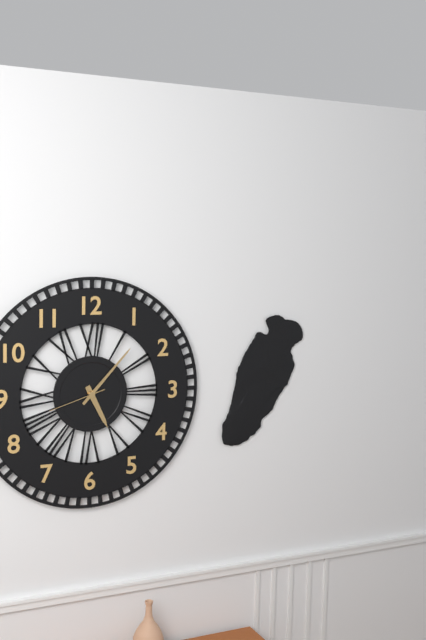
5:07:42
